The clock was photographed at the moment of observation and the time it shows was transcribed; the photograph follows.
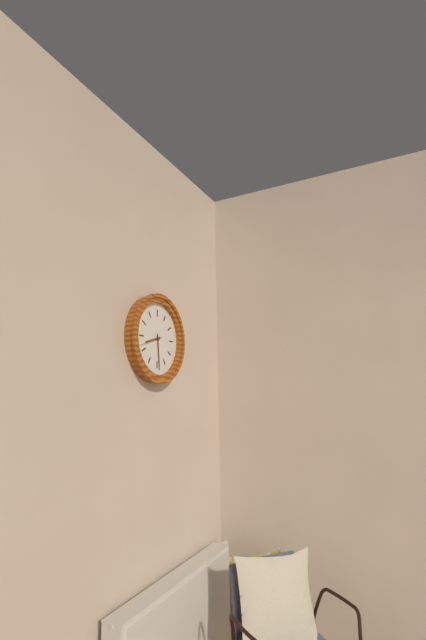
8:29
